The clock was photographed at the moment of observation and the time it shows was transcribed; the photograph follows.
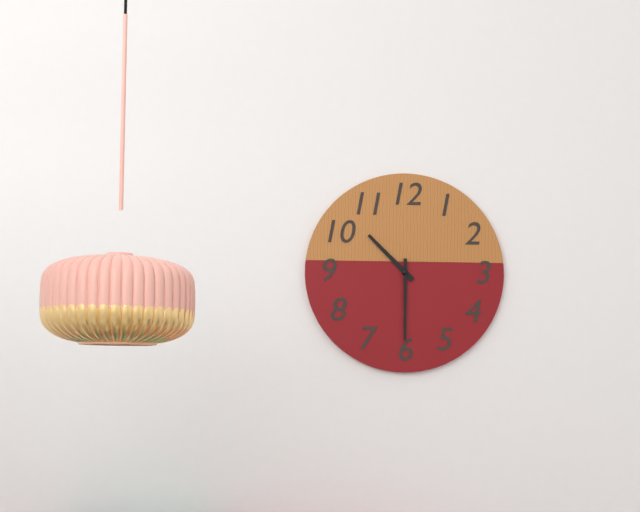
10:30
